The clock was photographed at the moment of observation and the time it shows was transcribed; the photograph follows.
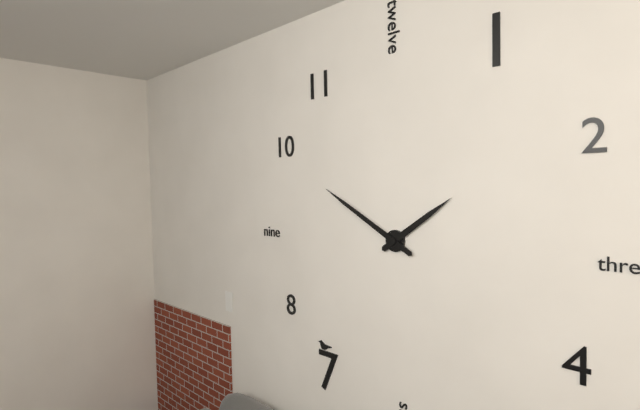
1:50
